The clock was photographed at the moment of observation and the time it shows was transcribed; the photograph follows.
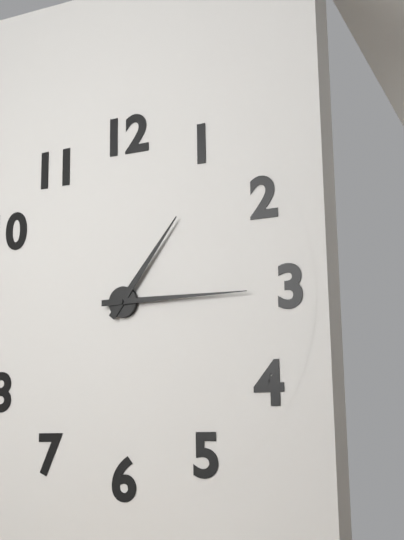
1:15
